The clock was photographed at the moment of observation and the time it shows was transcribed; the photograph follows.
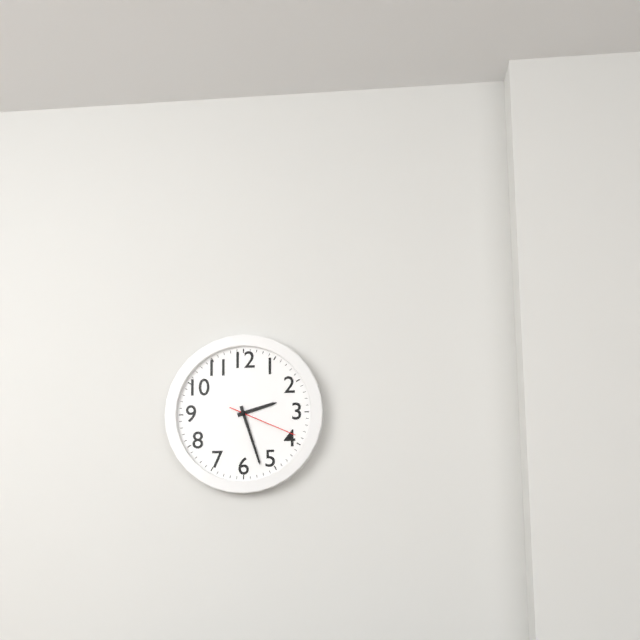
2:27:19
